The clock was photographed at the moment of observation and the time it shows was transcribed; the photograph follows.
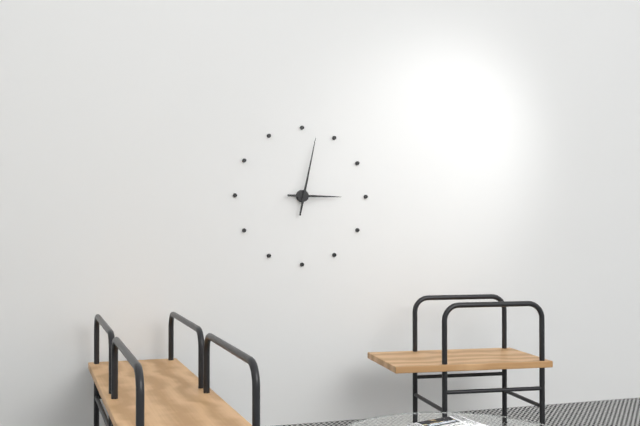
3:02
